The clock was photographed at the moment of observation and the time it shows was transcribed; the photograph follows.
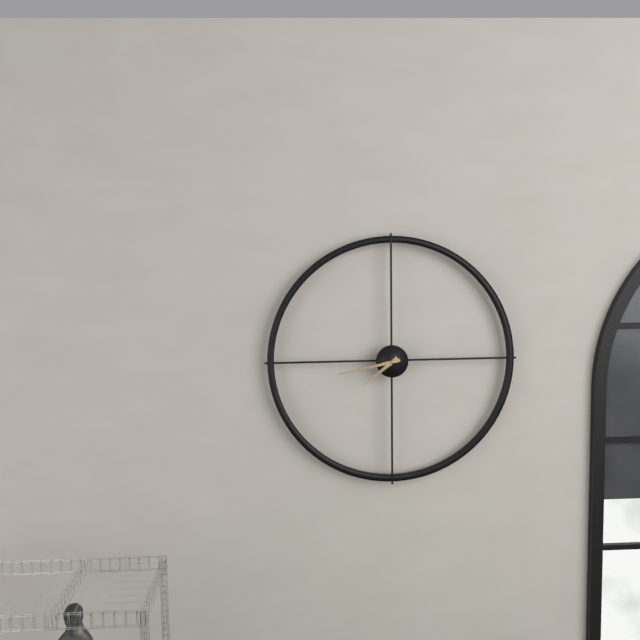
7:43
